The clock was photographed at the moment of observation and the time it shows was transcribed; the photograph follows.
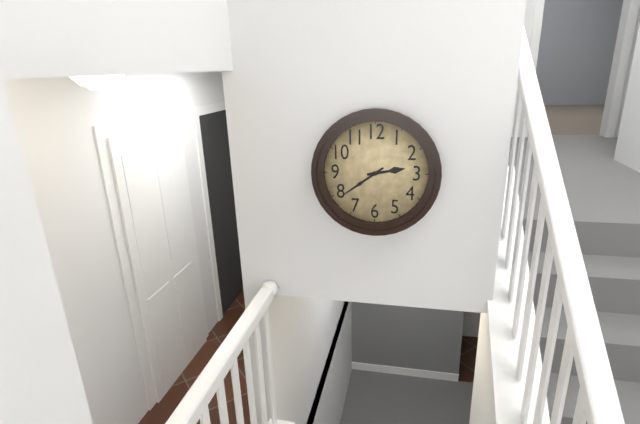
2:39
